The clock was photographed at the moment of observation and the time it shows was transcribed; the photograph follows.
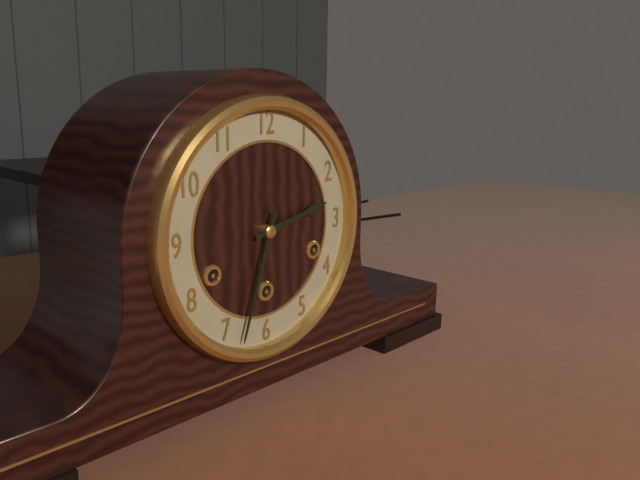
2:33
